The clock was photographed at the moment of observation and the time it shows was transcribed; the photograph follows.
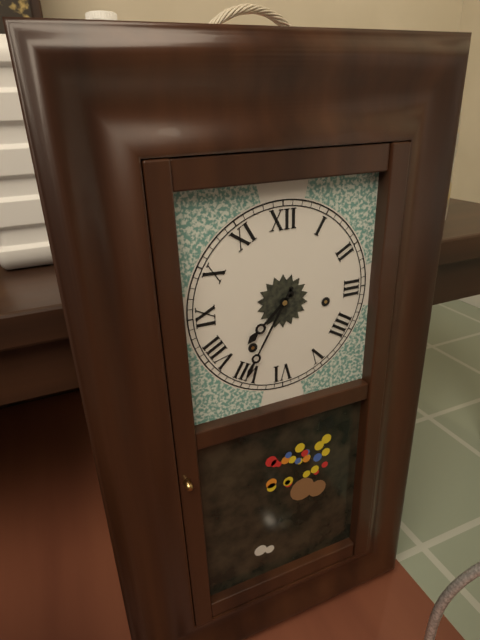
7:35
